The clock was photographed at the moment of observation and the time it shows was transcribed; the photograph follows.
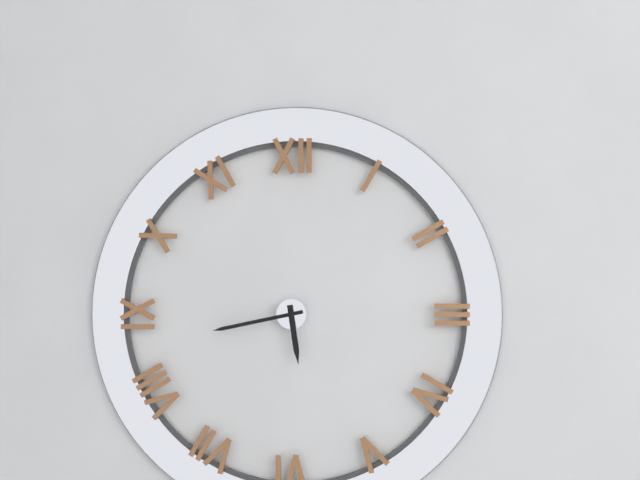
5:43
